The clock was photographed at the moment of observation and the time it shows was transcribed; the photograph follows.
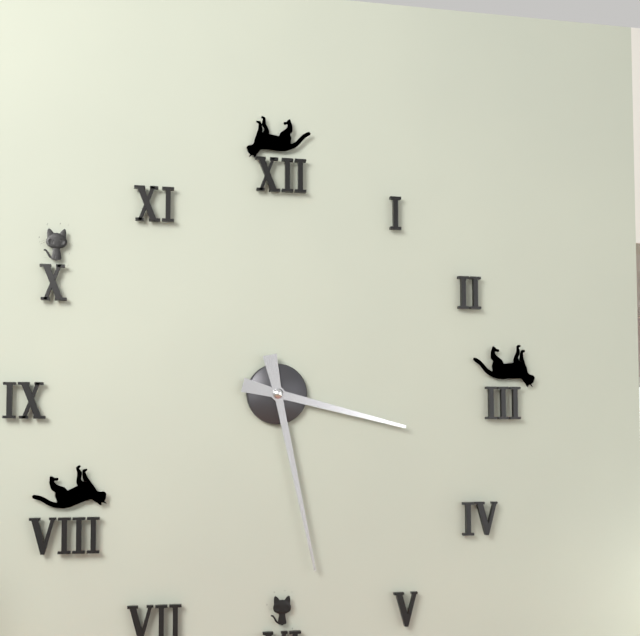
3:28
